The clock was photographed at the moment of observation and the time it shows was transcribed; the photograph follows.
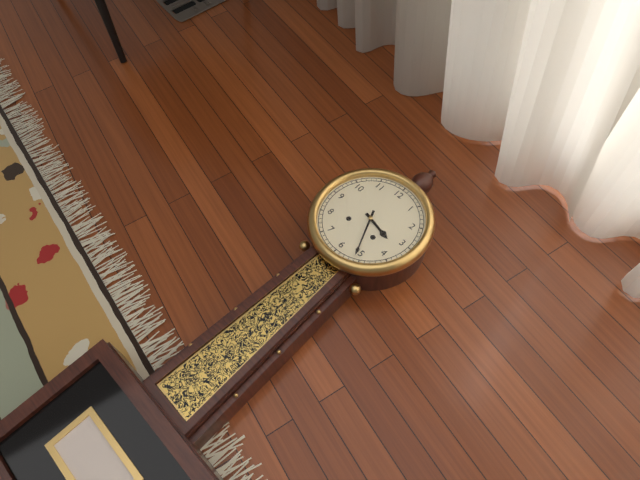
3:26
